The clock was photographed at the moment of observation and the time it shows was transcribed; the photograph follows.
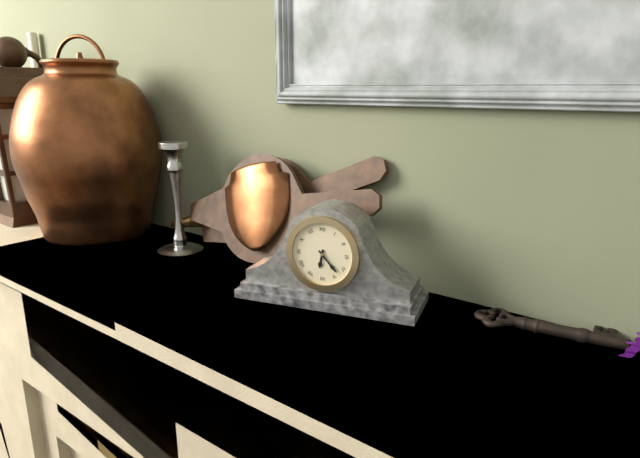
6:23
